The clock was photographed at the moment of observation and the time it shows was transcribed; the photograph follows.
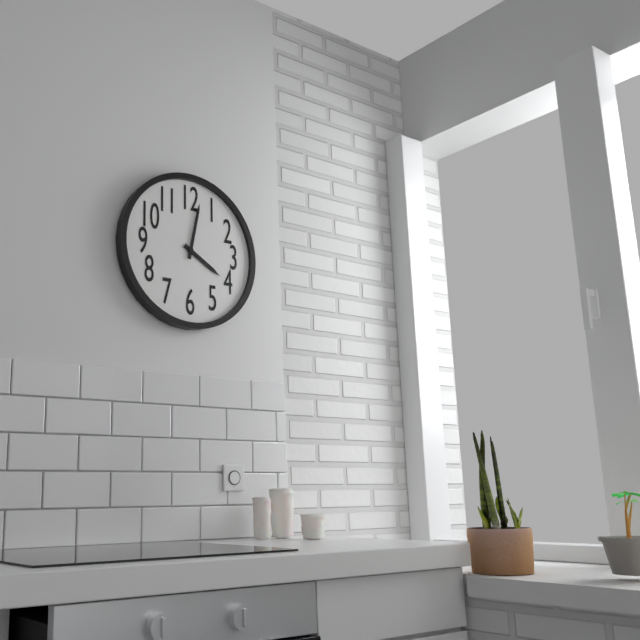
4:02
